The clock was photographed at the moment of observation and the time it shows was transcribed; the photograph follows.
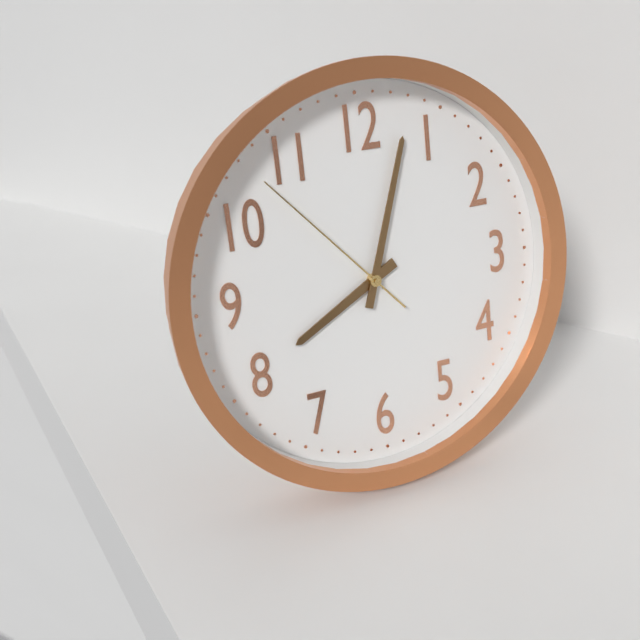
8:03:53
